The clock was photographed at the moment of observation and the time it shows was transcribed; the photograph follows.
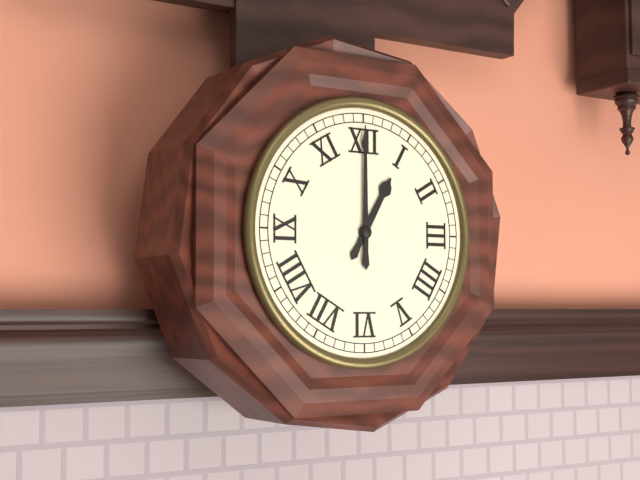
1:00
